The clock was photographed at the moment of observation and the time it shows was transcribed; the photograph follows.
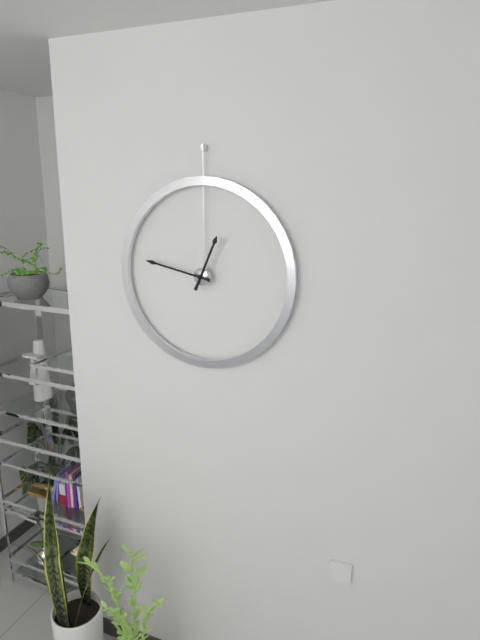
12:47
